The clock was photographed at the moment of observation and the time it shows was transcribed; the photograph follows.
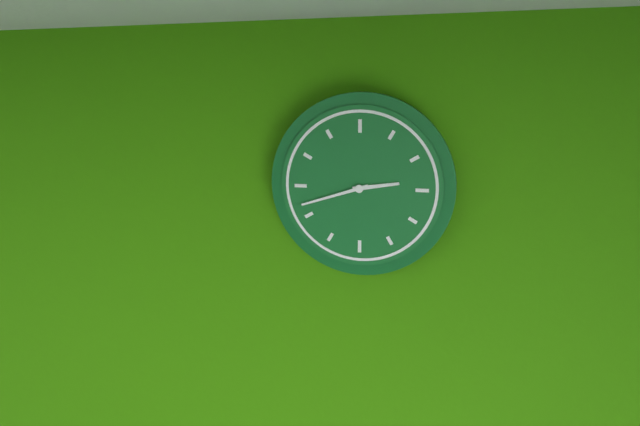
2:42
